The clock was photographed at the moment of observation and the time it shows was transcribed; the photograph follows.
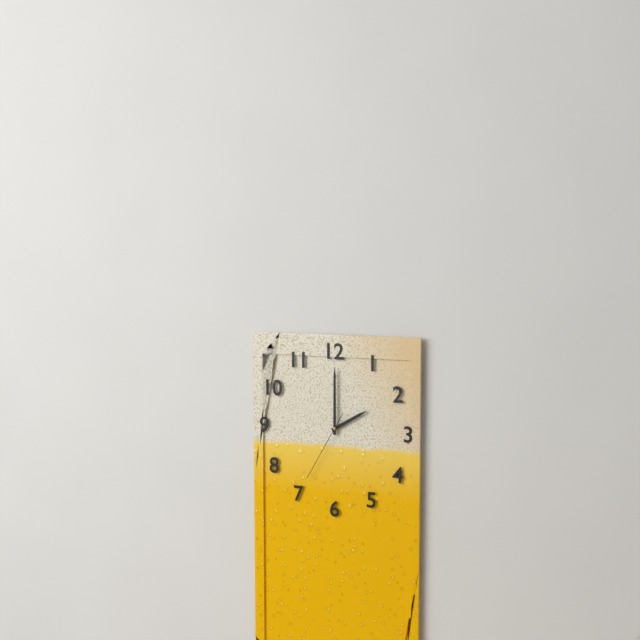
2:00:35
